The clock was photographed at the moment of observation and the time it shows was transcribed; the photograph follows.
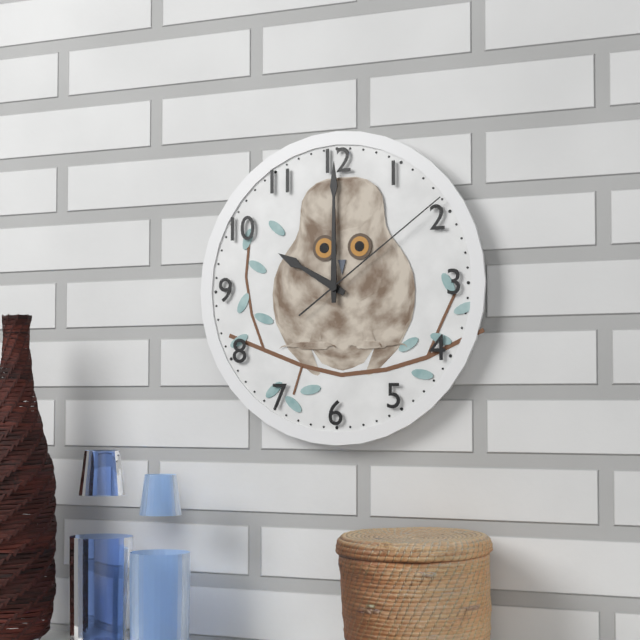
10:00:09
